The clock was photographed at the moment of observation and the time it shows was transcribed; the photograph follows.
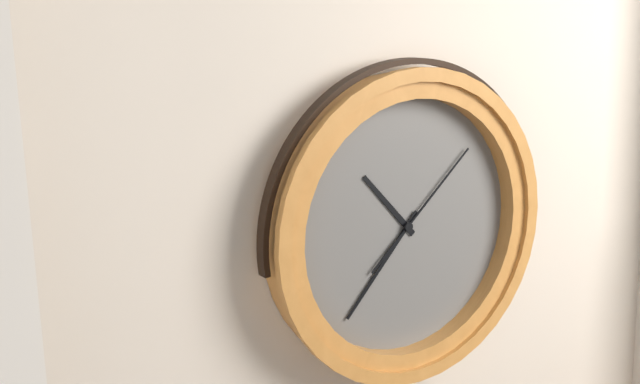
10:37:08
